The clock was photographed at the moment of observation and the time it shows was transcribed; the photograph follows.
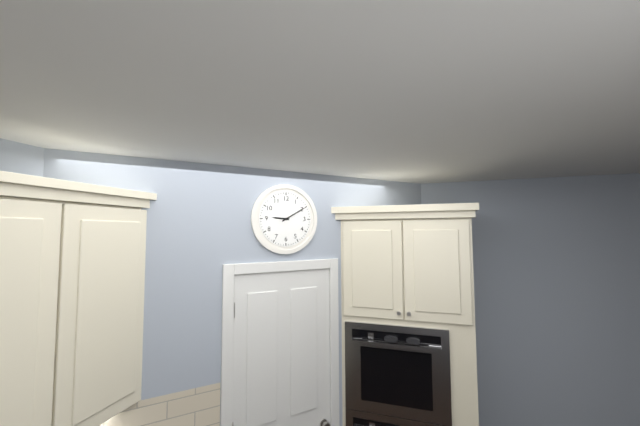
9:10
